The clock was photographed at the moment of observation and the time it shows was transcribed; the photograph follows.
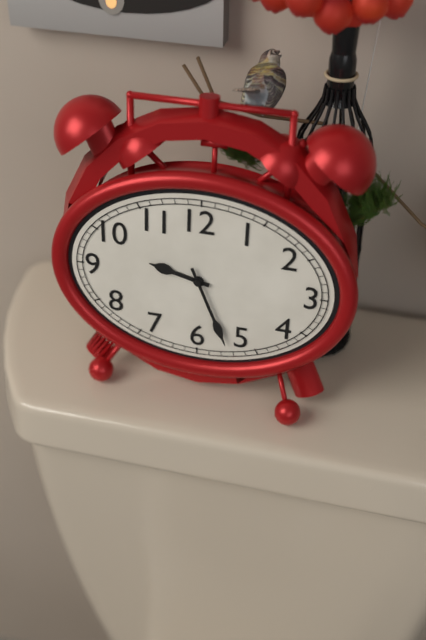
9:26
